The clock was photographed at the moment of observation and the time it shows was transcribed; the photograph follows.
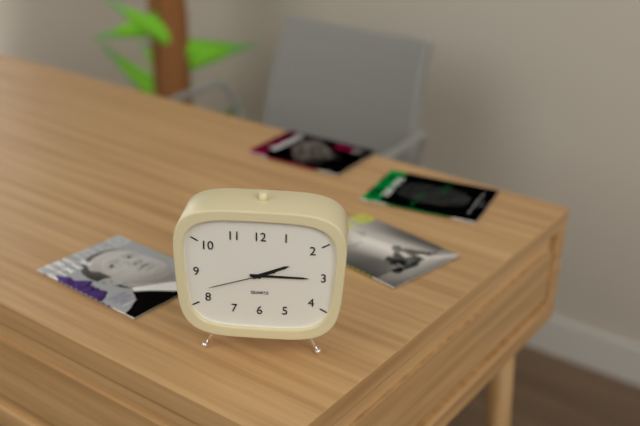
2:15:42
